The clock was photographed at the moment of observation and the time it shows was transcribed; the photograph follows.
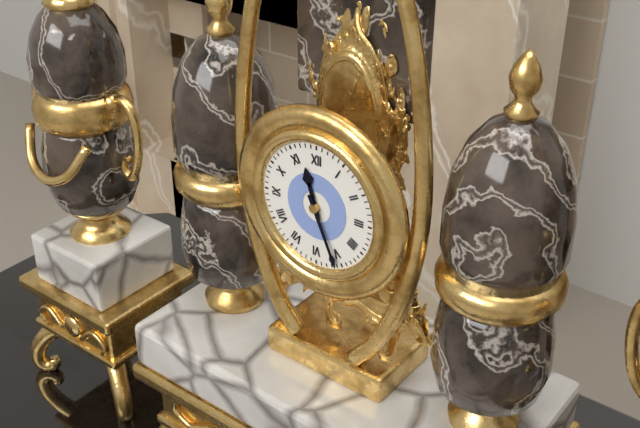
11:26
